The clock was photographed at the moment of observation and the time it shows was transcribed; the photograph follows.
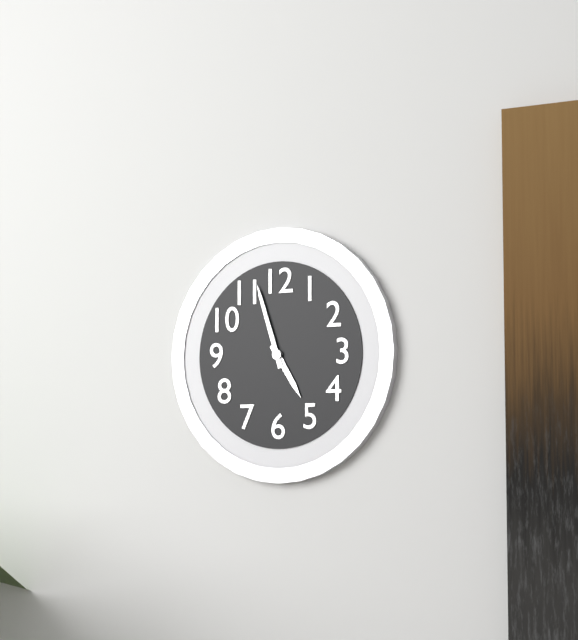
4:57
